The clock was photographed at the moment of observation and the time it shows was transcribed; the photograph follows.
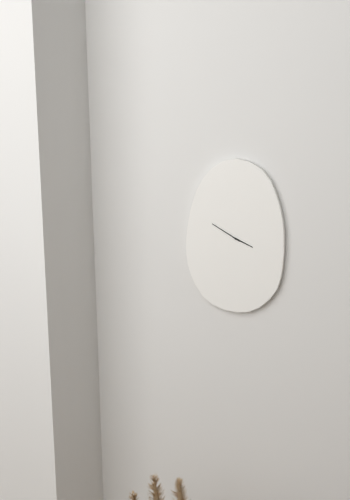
3:50
